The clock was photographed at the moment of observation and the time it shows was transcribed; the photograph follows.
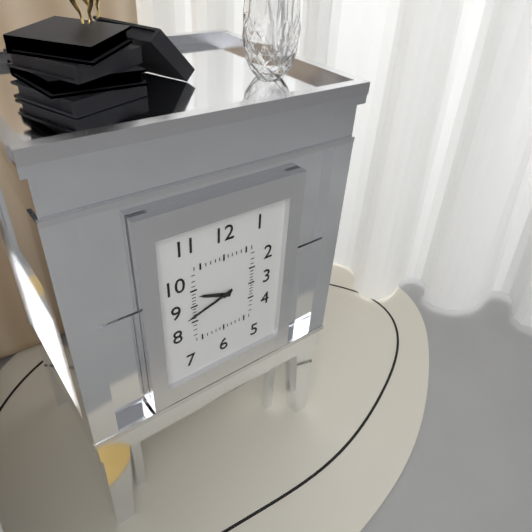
9:42
